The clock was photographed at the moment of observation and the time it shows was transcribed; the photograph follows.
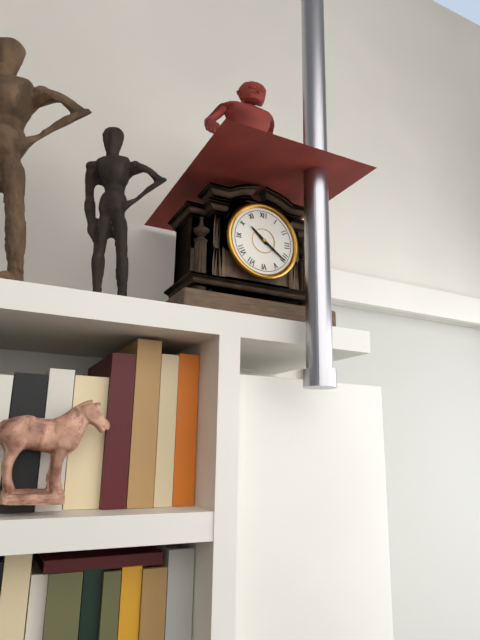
10:21
